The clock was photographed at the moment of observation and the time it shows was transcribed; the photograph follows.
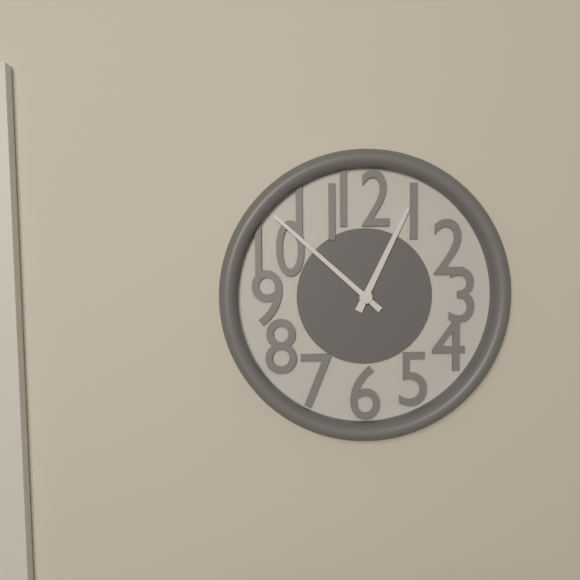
12:52
